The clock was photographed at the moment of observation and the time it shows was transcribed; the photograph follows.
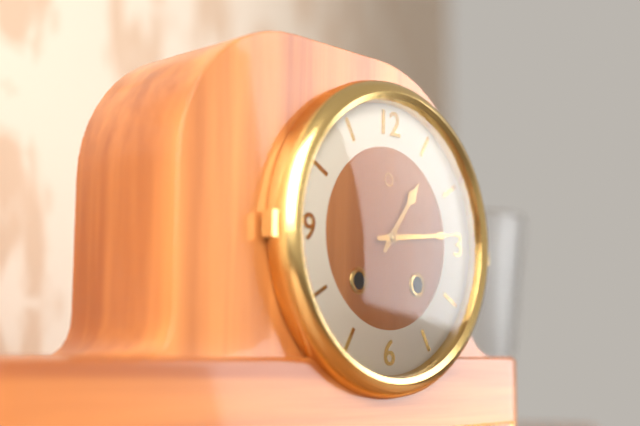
1:14
